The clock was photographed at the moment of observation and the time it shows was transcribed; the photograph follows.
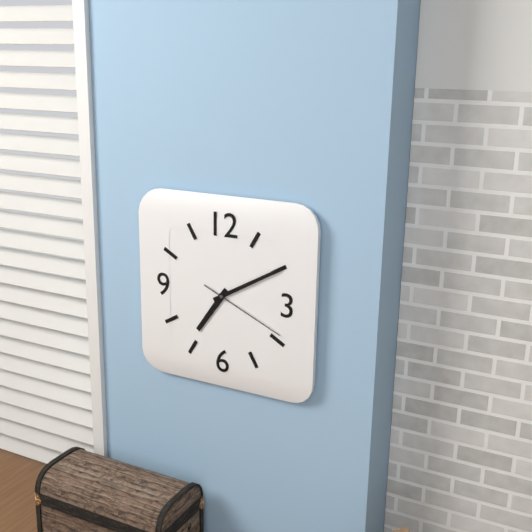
7:10:19
